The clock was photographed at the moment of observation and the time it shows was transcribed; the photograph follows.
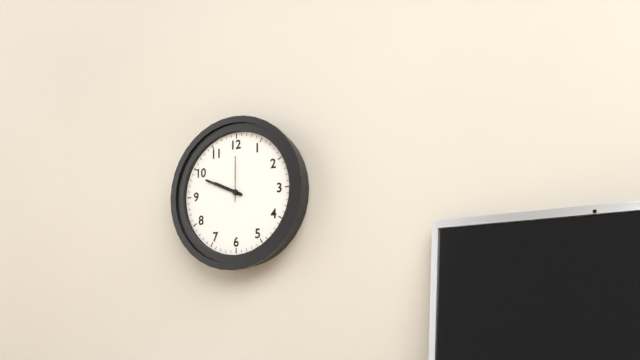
9:49
